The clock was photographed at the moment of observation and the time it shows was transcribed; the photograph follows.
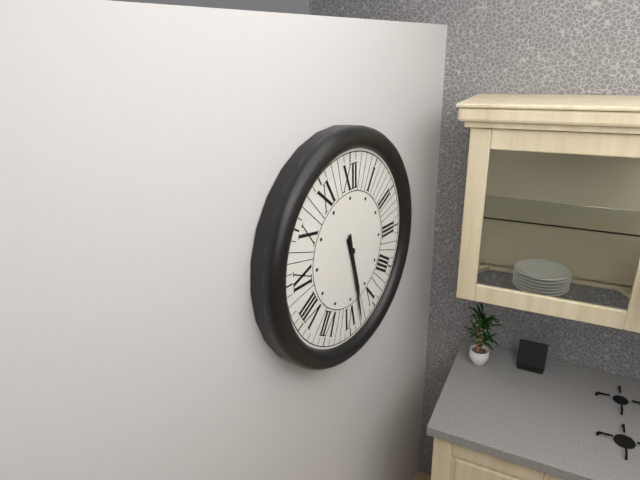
5:28
